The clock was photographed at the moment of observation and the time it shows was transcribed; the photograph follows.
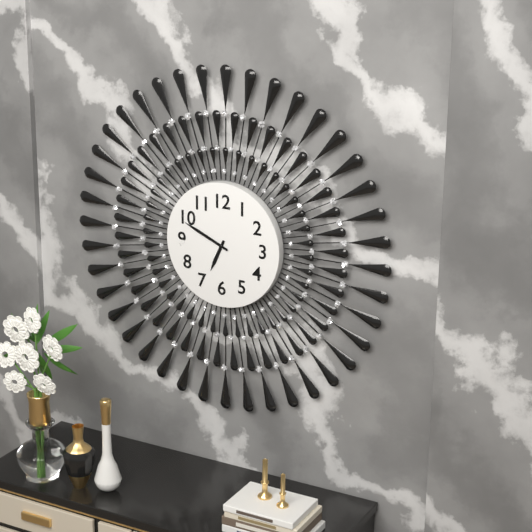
6:49
